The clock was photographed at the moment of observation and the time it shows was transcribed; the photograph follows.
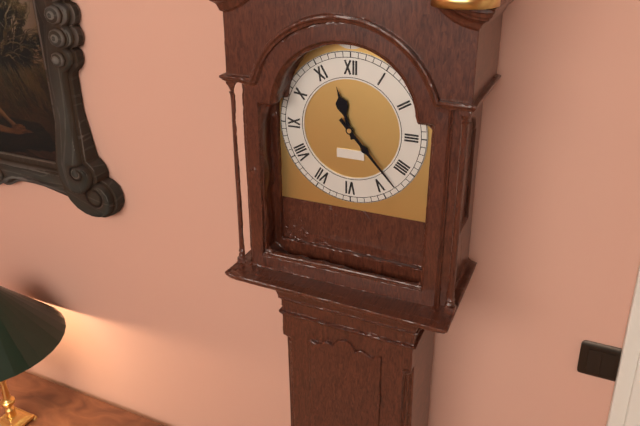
11:23
